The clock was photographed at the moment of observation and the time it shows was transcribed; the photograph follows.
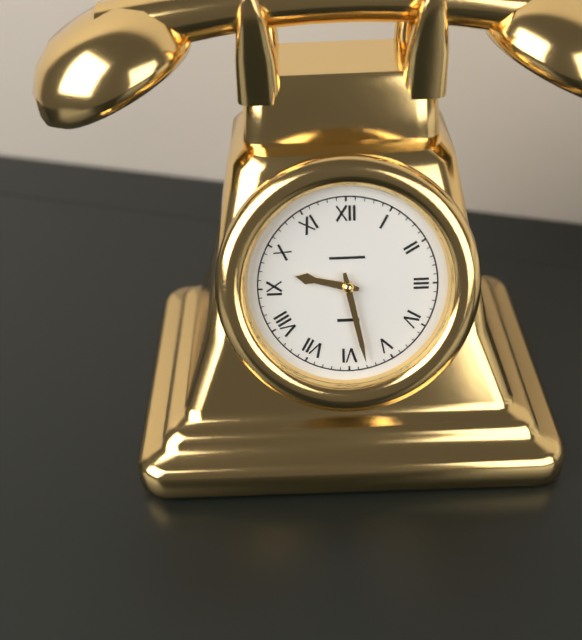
9:28
